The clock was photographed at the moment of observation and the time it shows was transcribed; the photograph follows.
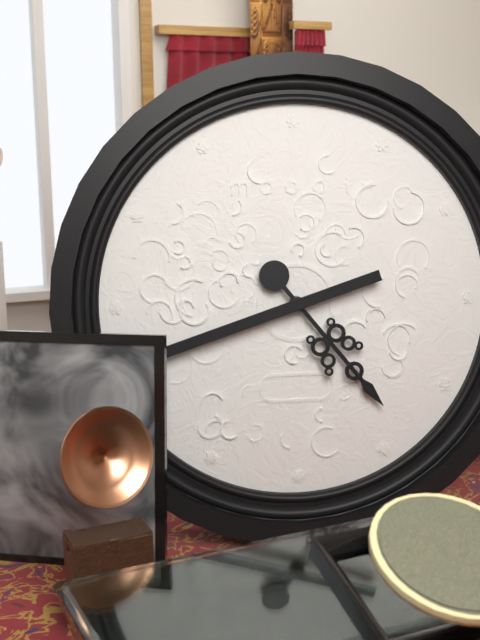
4:42
